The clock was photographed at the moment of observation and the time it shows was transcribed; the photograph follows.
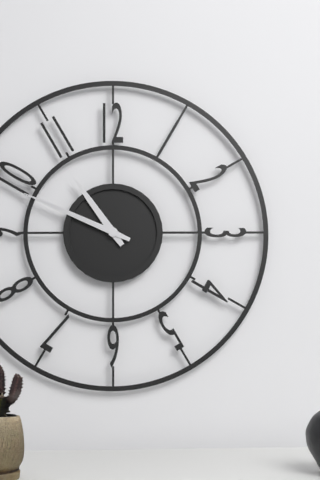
10:49
